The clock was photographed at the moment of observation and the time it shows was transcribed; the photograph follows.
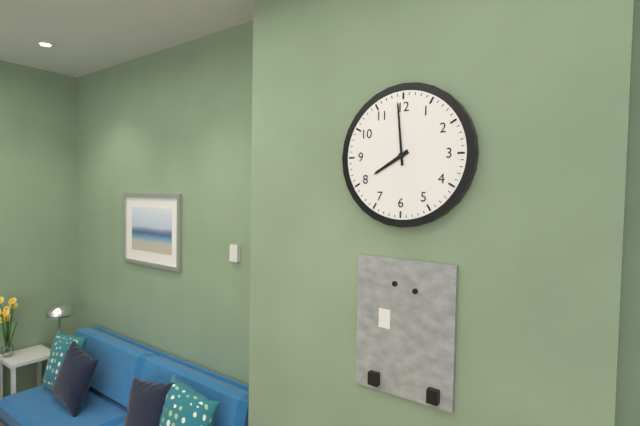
7:59
